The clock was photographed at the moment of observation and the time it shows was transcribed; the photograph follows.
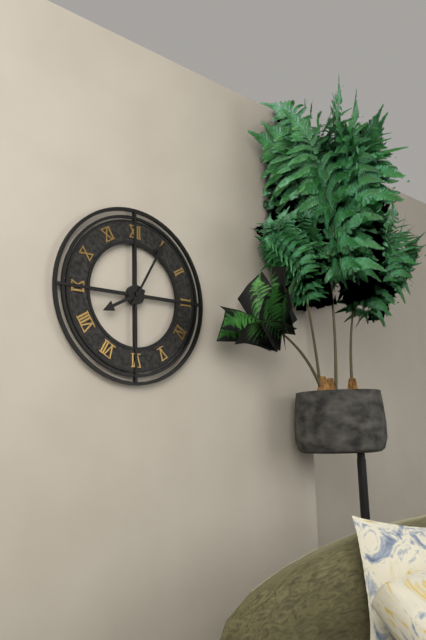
8:05
